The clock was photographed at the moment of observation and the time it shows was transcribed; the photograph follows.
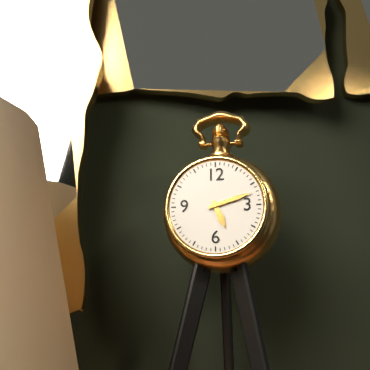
5:12
